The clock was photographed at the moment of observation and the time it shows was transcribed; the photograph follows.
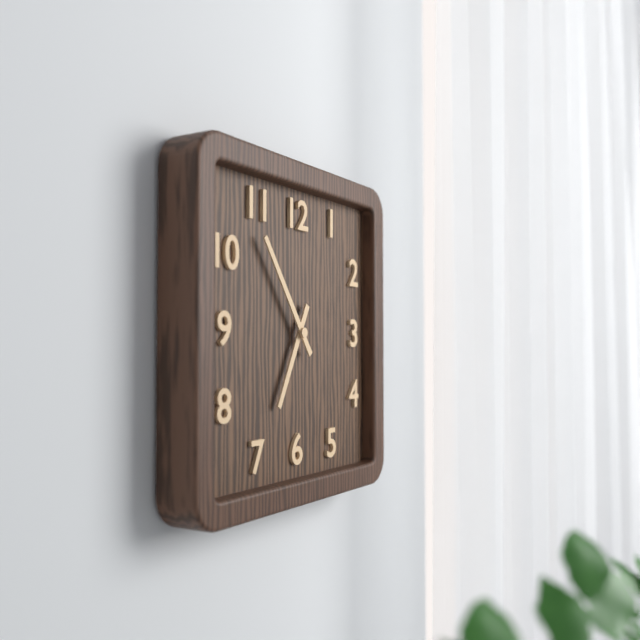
6:54
